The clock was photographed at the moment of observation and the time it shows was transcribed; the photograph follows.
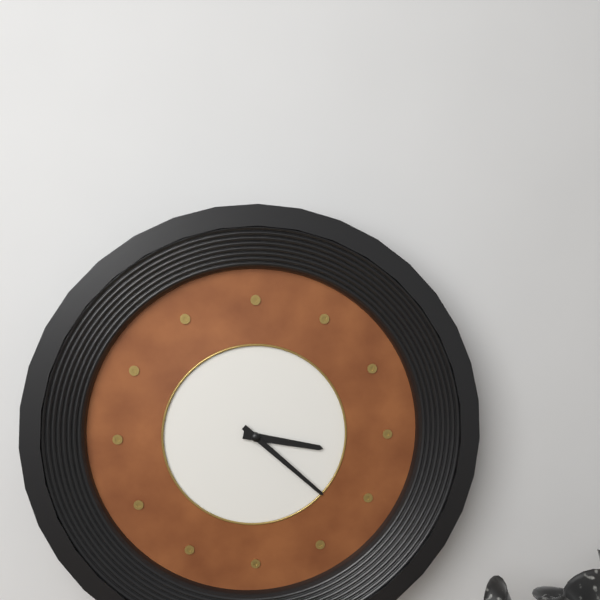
3:22
